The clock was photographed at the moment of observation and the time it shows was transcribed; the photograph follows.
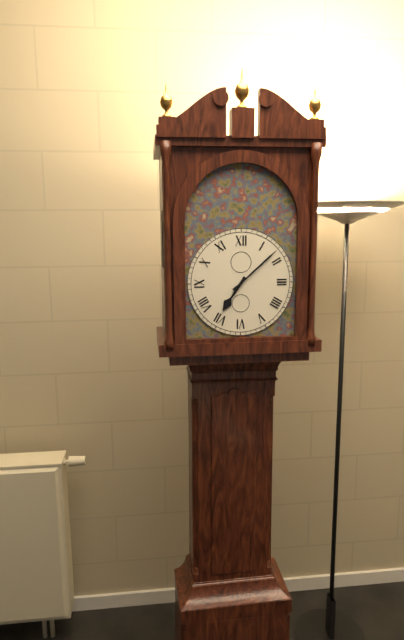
7:08
